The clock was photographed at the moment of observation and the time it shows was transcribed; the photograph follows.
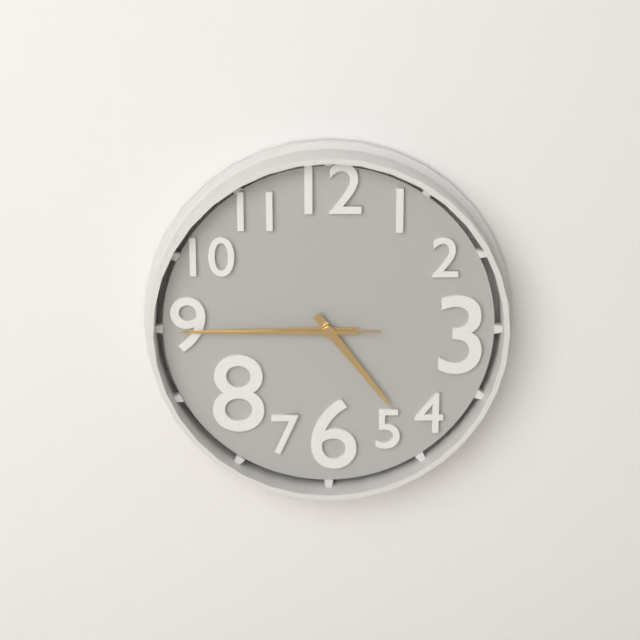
4:45:45
